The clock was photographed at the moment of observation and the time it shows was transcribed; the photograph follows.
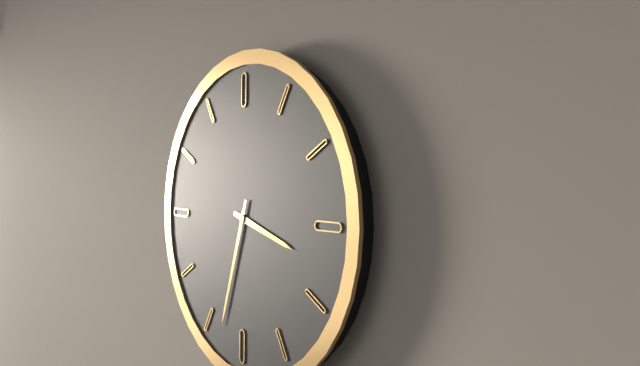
3:33
